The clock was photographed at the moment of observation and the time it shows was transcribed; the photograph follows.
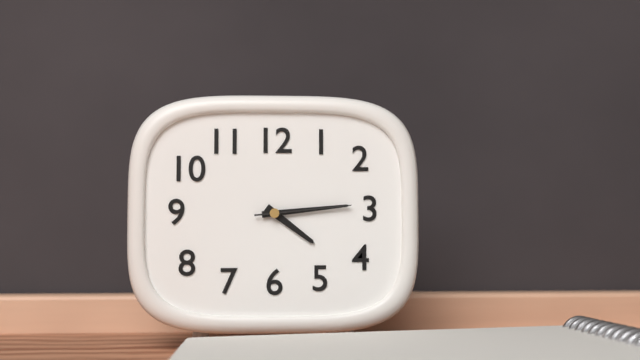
4:14:14
